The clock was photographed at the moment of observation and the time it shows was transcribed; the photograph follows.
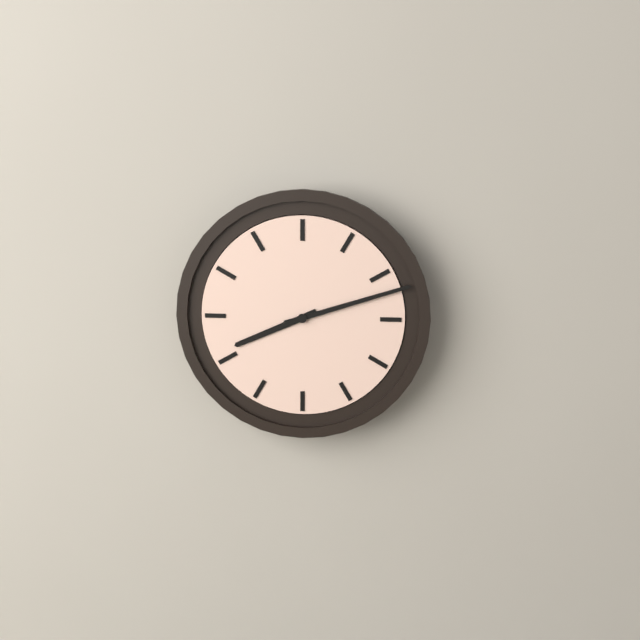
8:12
